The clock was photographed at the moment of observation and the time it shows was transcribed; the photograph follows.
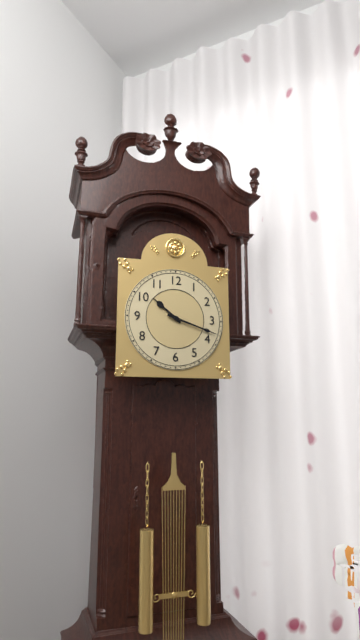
10:18
